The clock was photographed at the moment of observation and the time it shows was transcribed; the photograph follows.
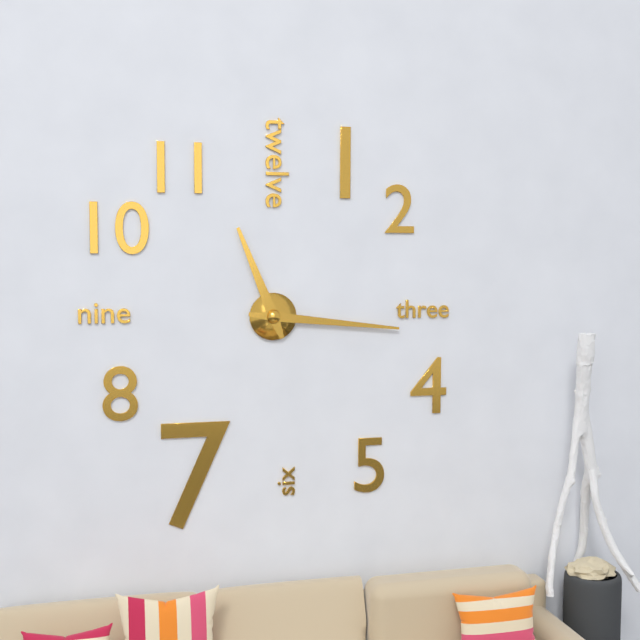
11:16
